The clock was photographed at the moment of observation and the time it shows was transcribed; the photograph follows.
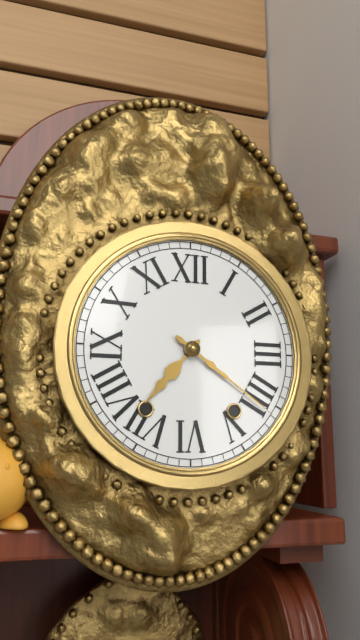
7:21
